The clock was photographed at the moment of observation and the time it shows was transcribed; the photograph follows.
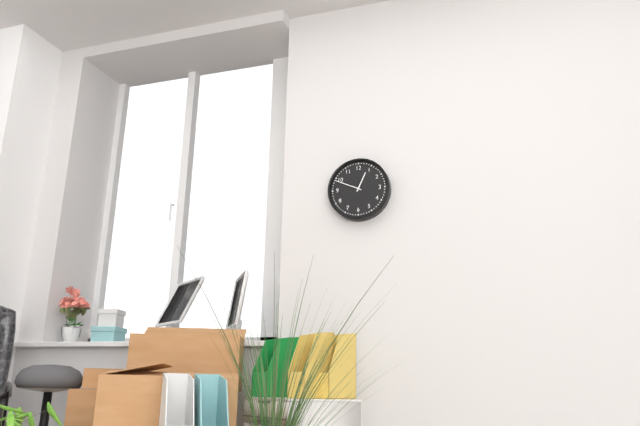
12:49
